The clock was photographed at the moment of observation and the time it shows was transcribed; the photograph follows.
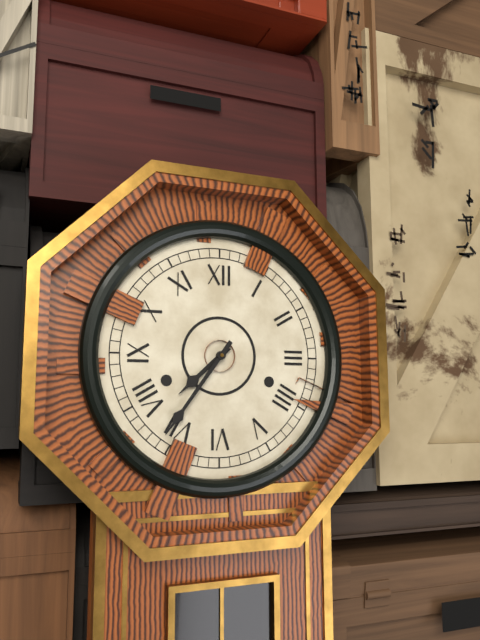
7:36
